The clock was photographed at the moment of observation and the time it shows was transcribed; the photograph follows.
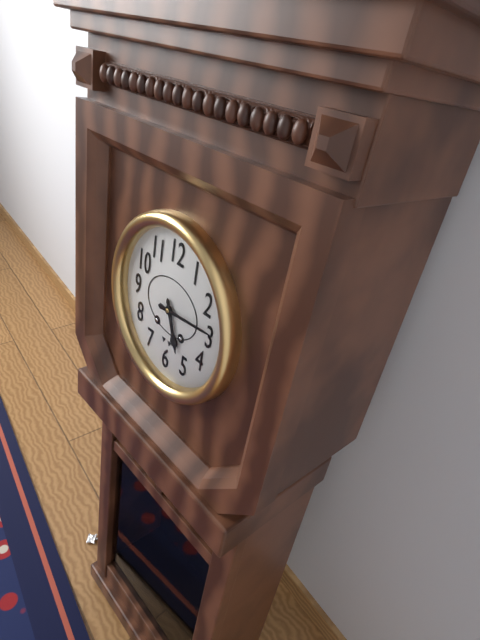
5:14
